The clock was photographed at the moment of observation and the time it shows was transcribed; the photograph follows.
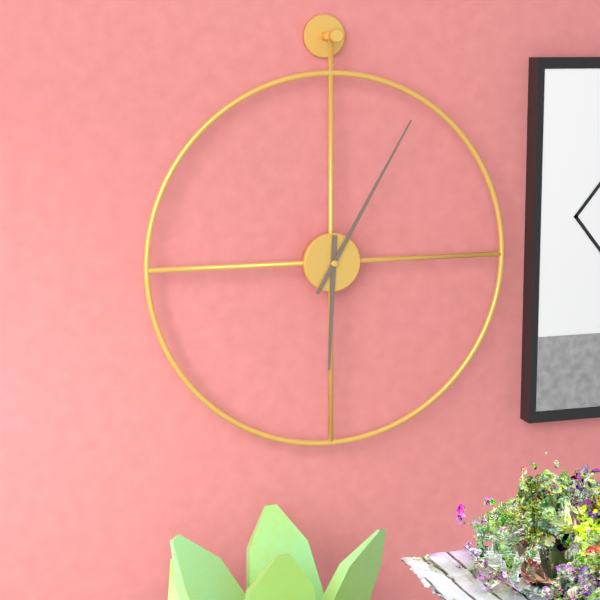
6:05
